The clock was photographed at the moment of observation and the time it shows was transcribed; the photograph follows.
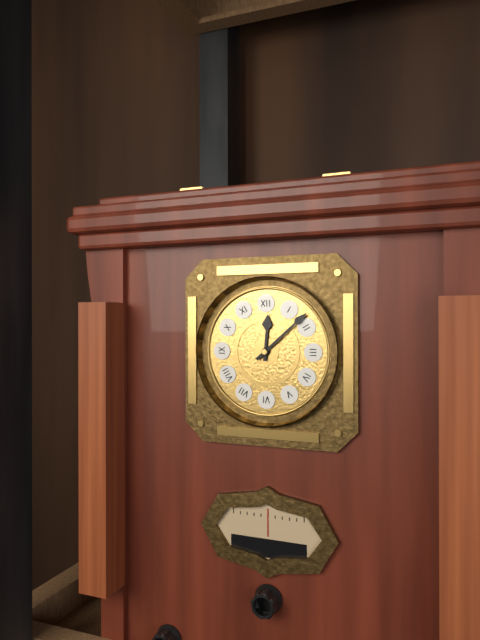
12:08
